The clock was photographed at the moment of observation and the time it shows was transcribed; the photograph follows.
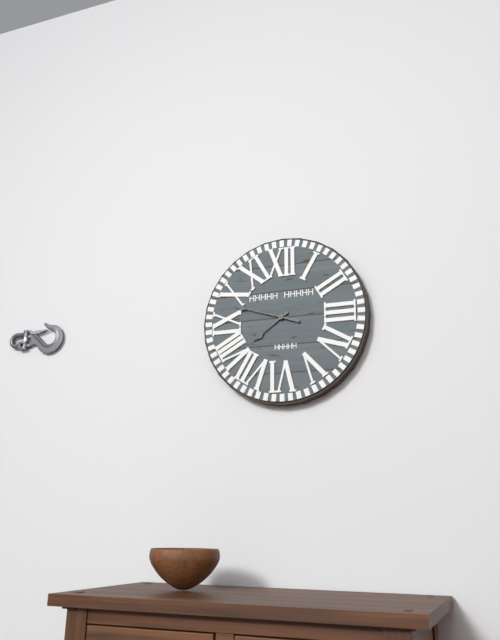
7:48
